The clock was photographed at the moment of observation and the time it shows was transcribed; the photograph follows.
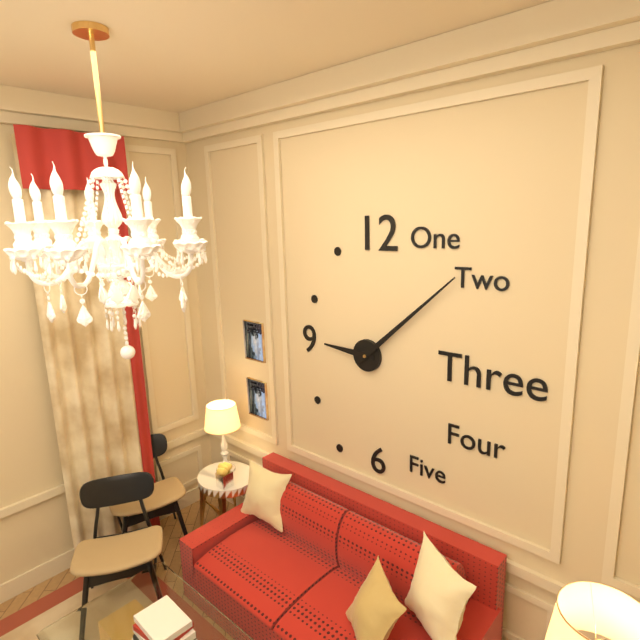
9:08
